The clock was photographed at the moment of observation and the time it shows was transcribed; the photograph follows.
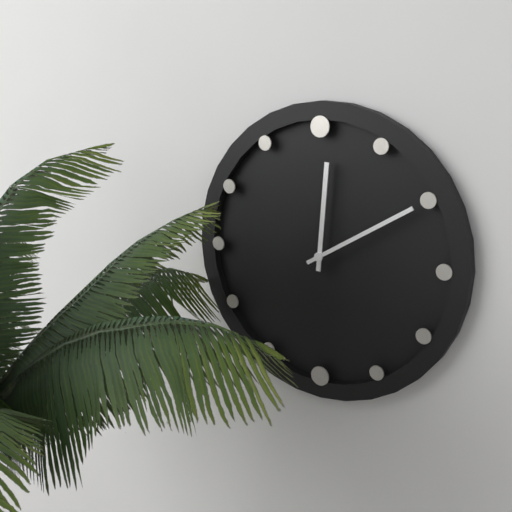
12:10
